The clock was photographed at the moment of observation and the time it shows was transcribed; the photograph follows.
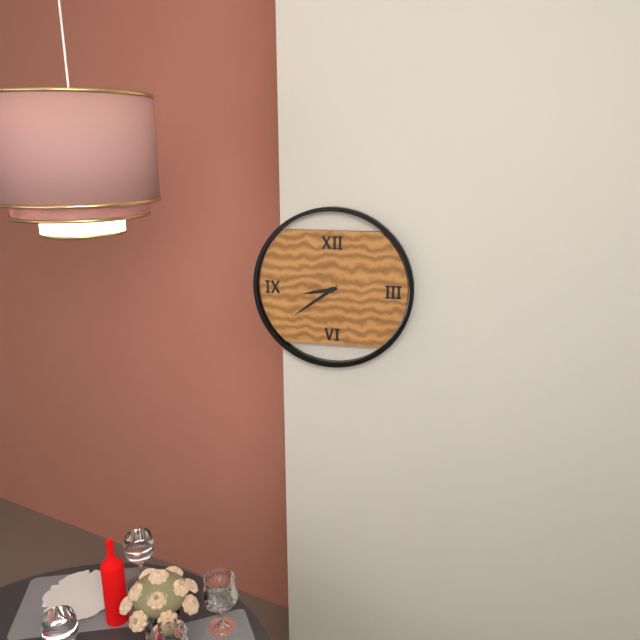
8:39
